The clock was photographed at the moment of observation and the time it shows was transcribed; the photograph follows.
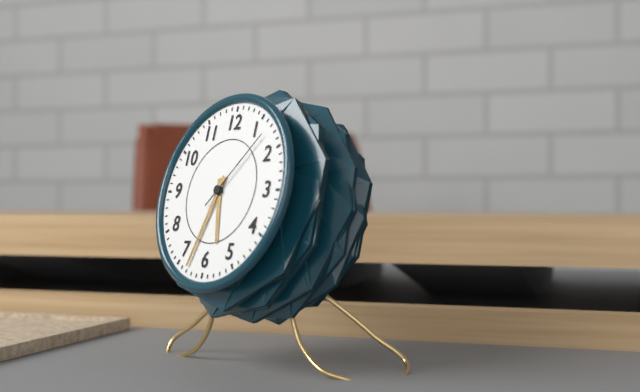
5:33:07
